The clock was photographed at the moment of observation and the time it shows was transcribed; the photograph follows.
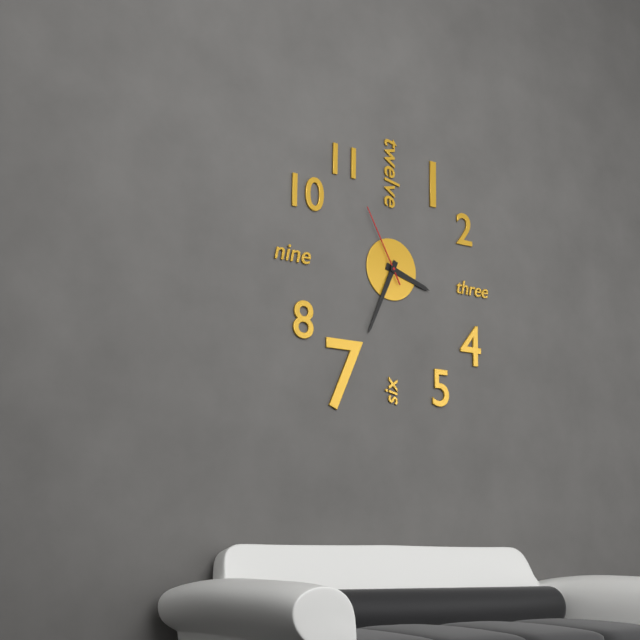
3:34:55
